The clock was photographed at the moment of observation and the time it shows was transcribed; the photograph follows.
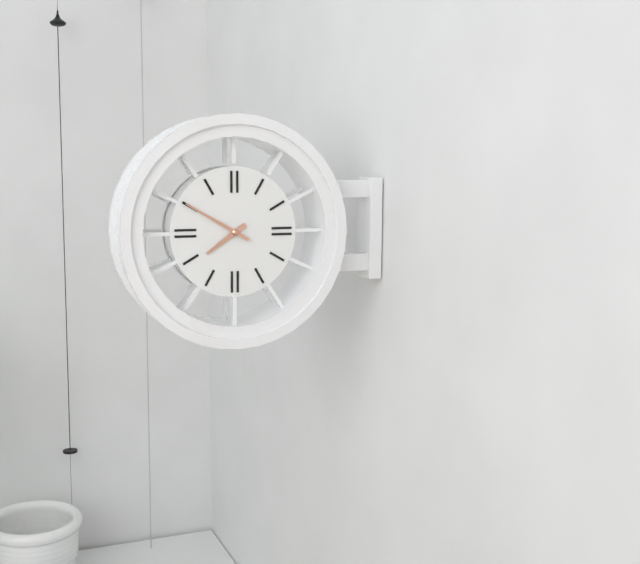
7:50
